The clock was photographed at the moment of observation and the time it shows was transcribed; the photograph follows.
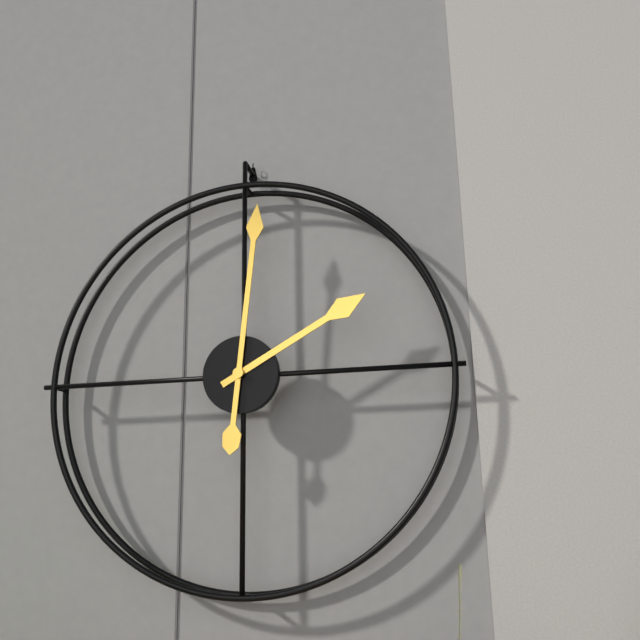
2:01
